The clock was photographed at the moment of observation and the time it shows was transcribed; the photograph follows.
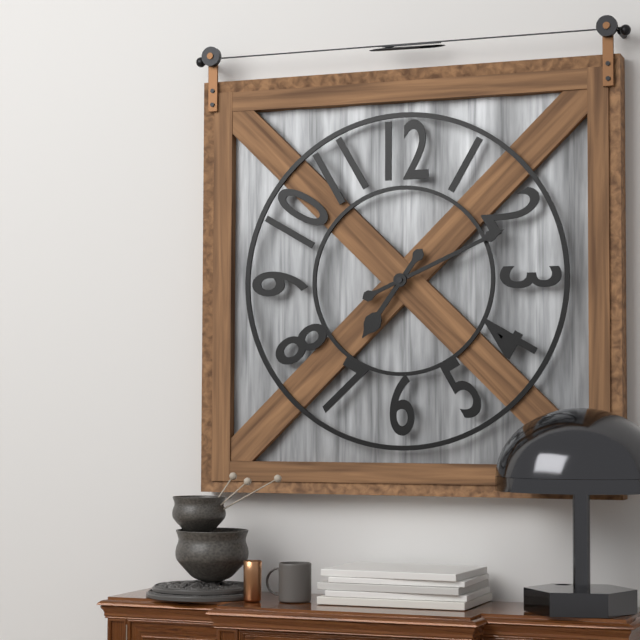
7:11
